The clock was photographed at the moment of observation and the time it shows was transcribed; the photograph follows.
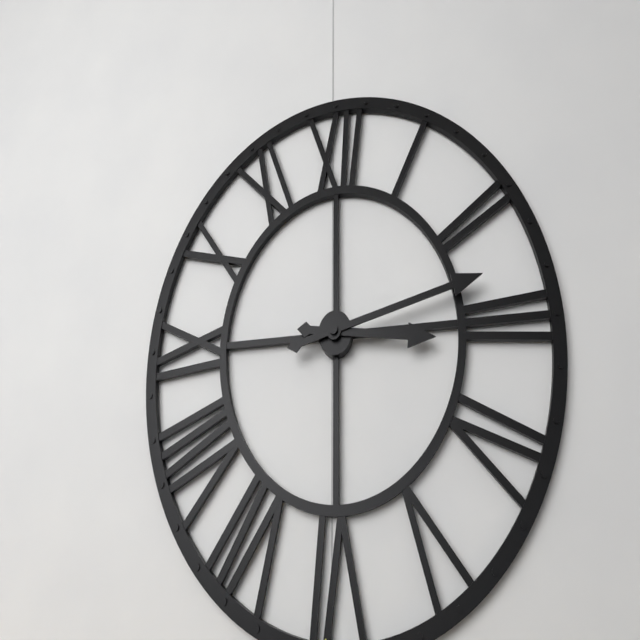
3:13
